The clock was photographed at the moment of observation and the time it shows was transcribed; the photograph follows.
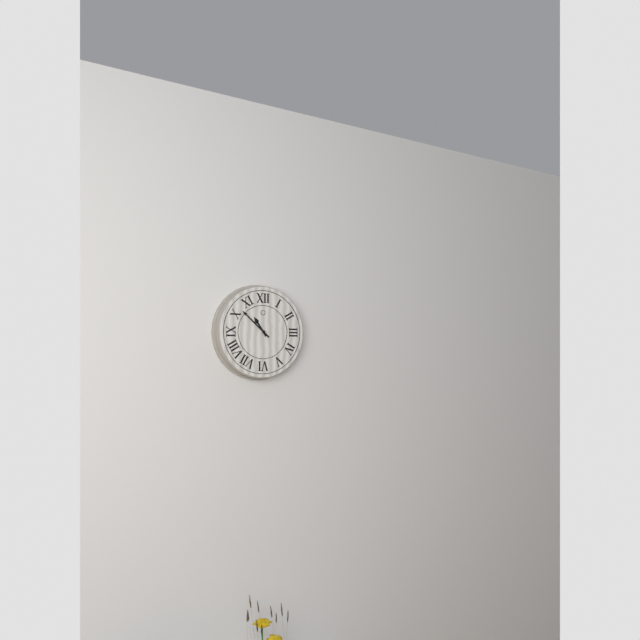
10:52
